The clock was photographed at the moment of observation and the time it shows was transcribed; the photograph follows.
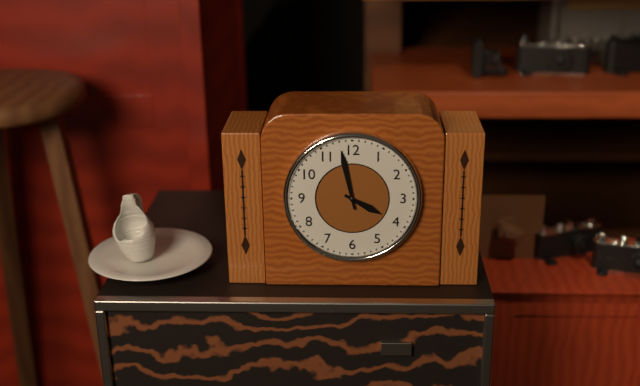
3:58
